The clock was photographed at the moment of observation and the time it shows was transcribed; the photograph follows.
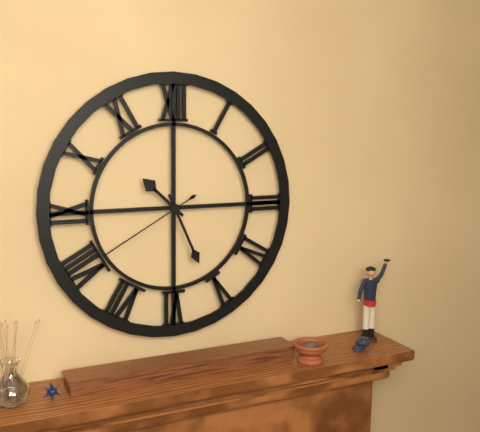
10:26:40
